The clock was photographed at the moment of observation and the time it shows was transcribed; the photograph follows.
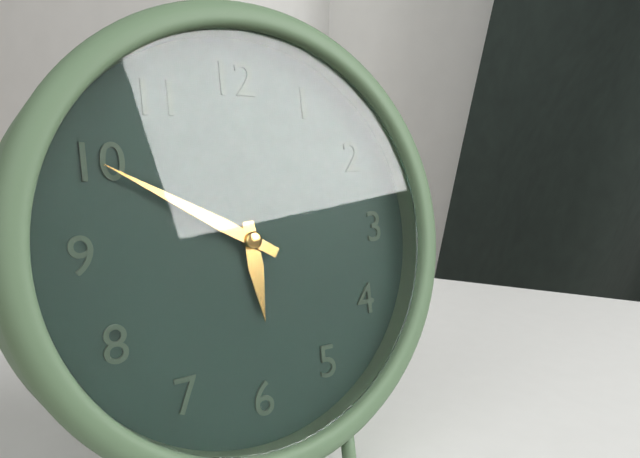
5:50
